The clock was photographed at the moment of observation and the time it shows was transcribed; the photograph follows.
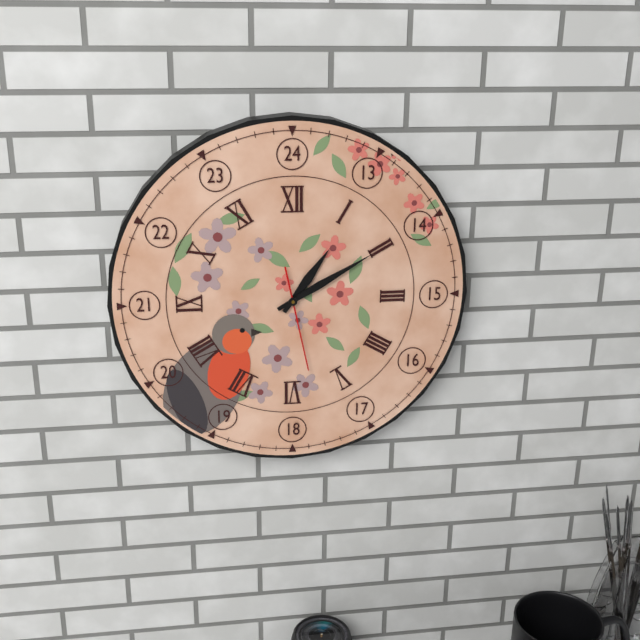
1:10:28
